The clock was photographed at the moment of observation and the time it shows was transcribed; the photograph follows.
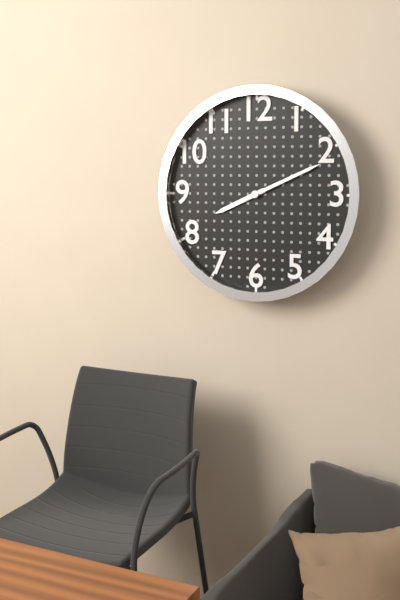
8:11
